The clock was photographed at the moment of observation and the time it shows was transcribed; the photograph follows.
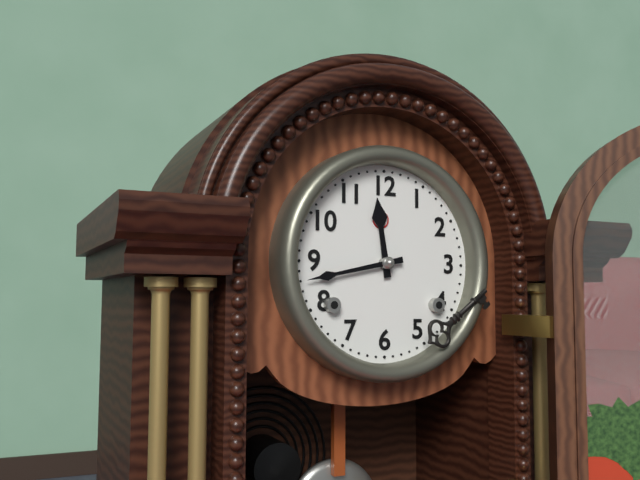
11:43
